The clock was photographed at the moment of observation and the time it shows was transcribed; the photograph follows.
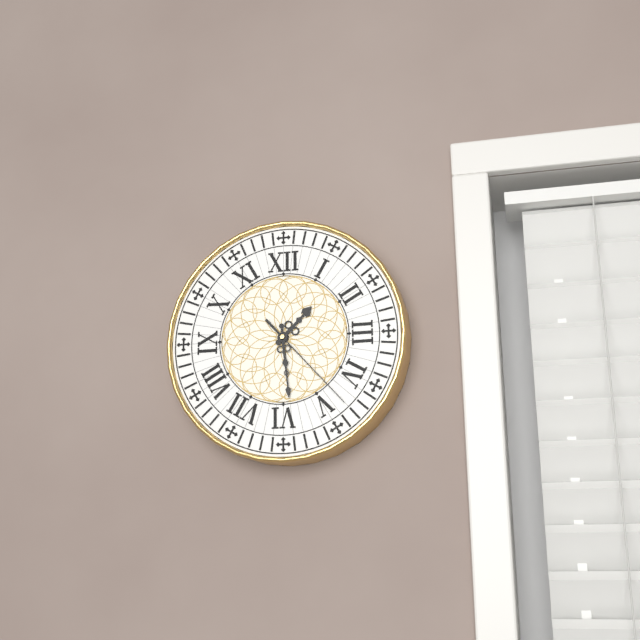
1:29:23
